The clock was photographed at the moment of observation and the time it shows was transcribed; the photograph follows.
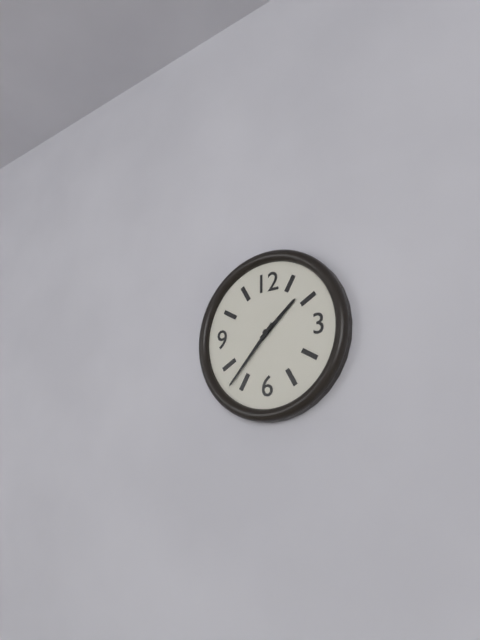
1:37
